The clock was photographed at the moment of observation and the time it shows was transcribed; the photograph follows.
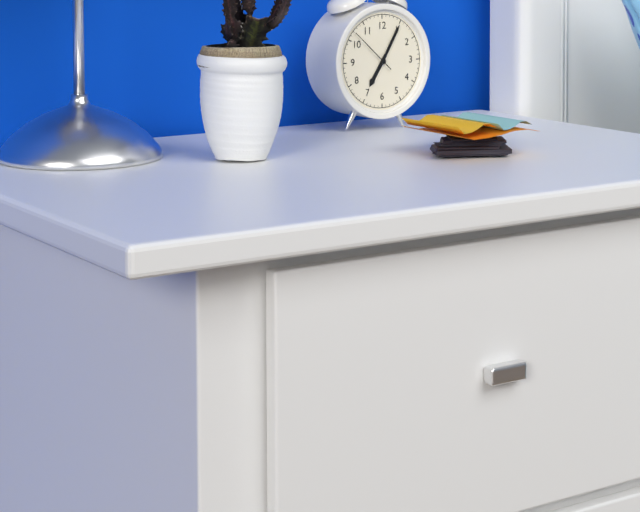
7:05
